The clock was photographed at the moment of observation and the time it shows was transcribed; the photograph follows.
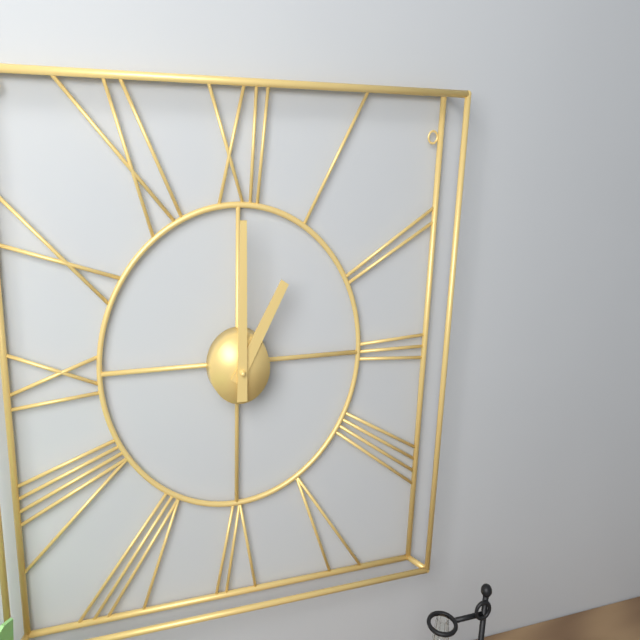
1:00
